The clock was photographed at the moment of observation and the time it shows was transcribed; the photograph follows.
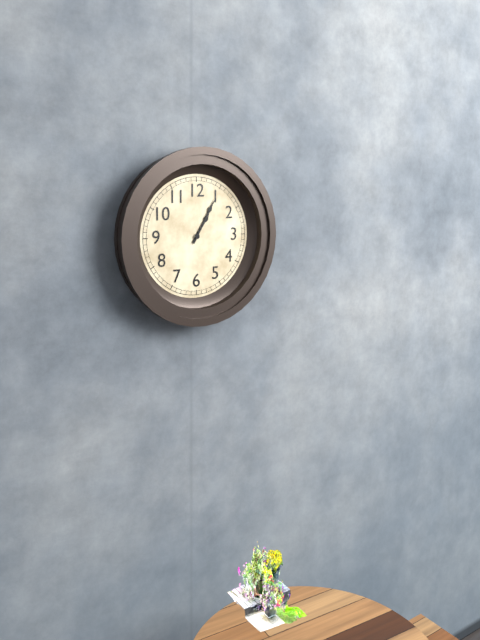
1:05
